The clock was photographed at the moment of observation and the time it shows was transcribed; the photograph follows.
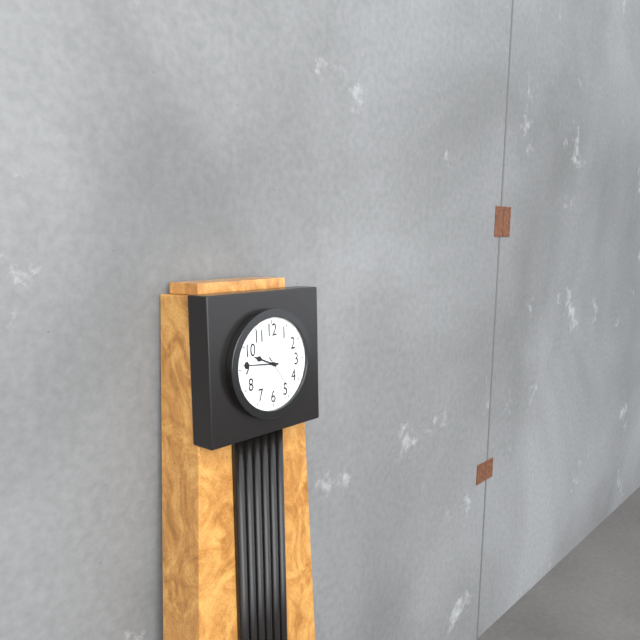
9:46
